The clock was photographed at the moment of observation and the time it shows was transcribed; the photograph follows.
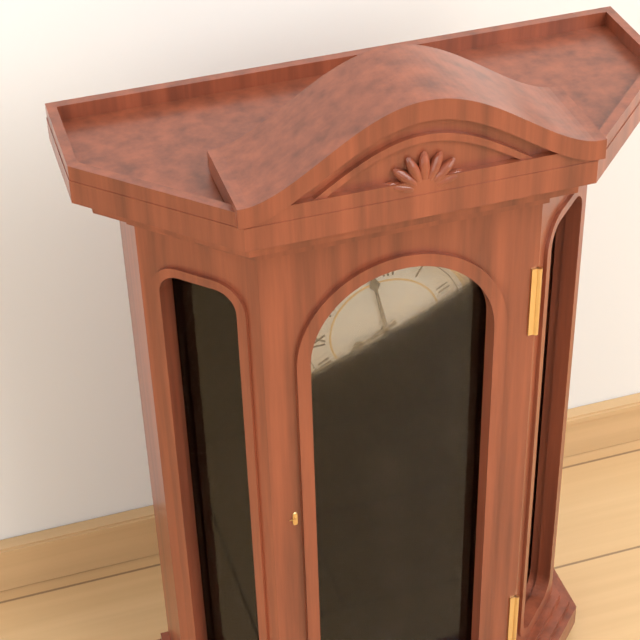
7:58
